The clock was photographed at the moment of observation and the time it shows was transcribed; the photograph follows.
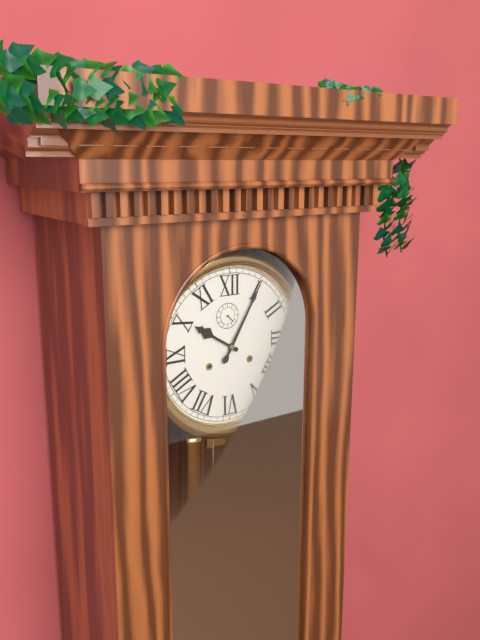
10:05
